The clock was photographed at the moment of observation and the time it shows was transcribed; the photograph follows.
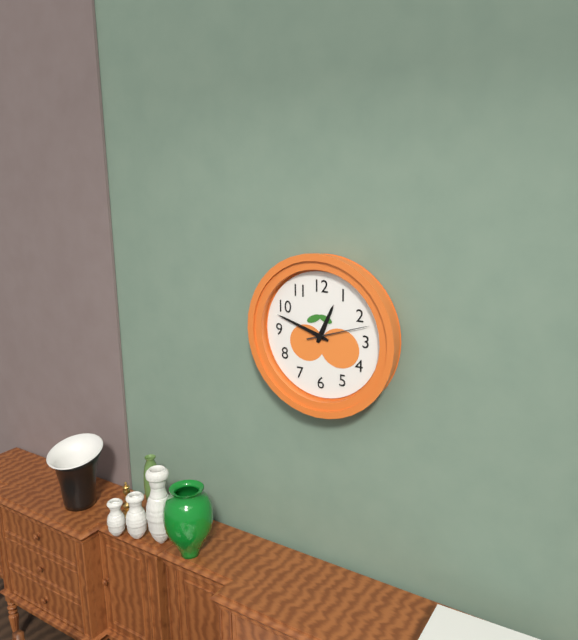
12:48:12
